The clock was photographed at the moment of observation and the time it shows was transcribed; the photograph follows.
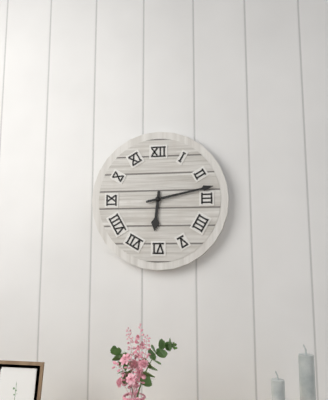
6:13
